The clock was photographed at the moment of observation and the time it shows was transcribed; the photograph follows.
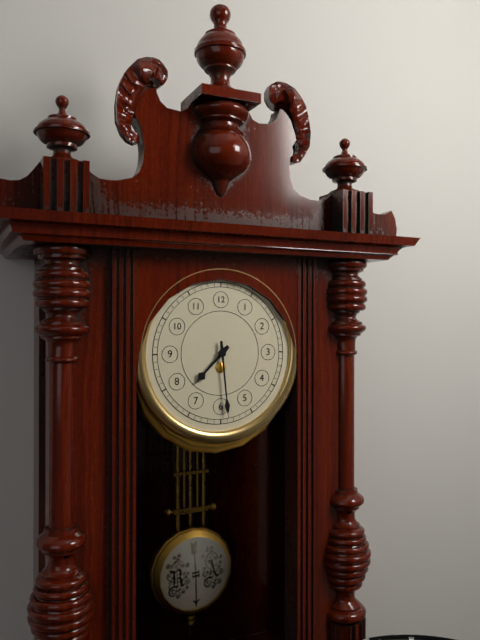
7:29
